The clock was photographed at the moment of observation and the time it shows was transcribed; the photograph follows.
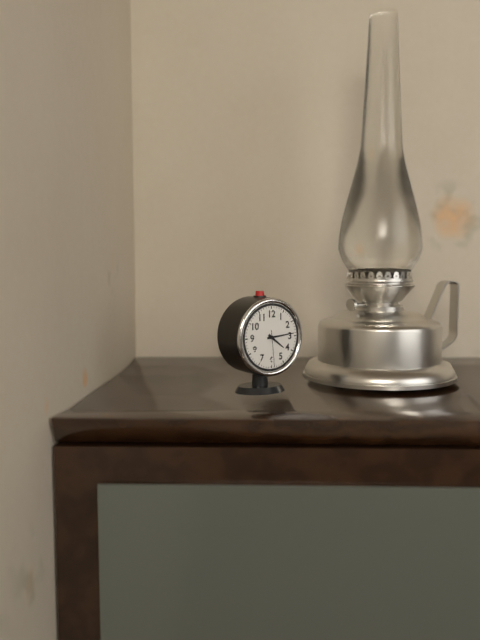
4:14
